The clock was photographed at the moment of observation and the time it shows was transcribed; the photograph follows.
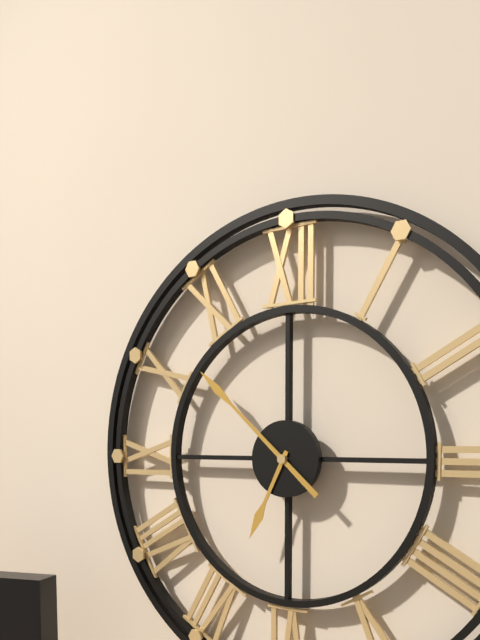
6:52
